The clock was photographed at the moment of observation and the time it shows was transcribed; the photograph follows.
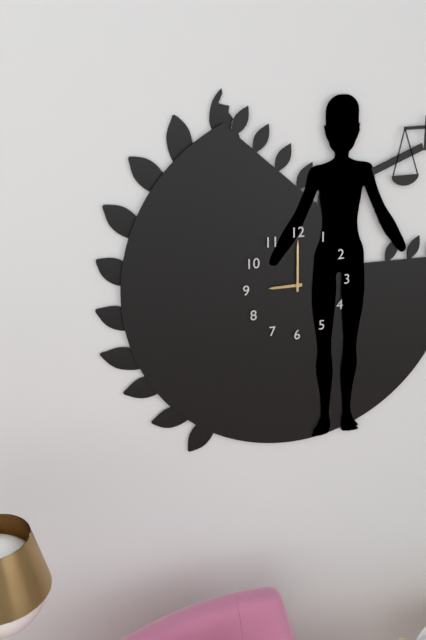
9:00
